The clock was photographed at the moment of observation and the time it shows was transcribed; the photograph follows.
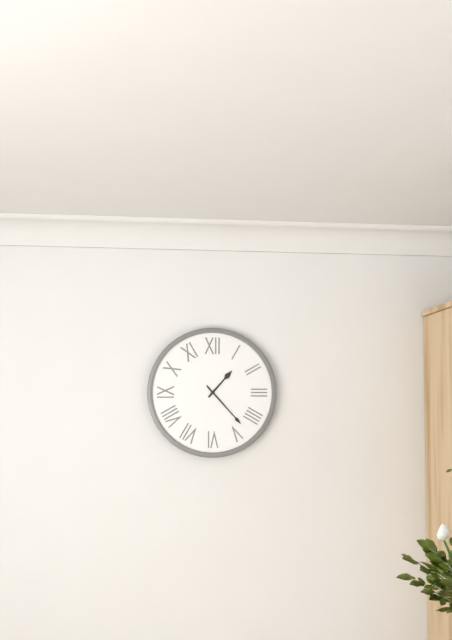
1:23
